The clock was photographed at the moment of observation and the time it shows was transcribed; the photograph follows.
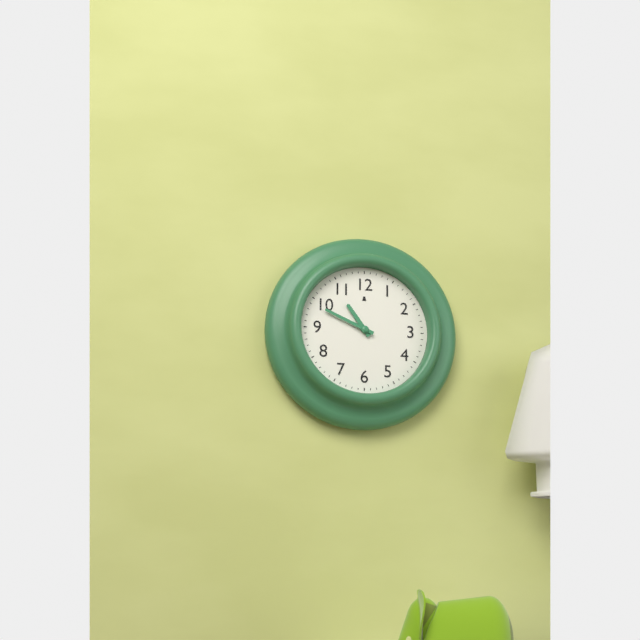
10:49
